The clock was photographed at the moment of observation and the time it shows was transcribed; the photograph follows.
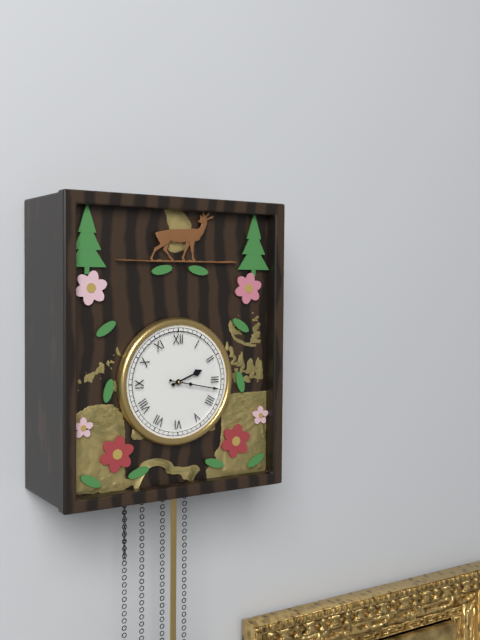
2:17
